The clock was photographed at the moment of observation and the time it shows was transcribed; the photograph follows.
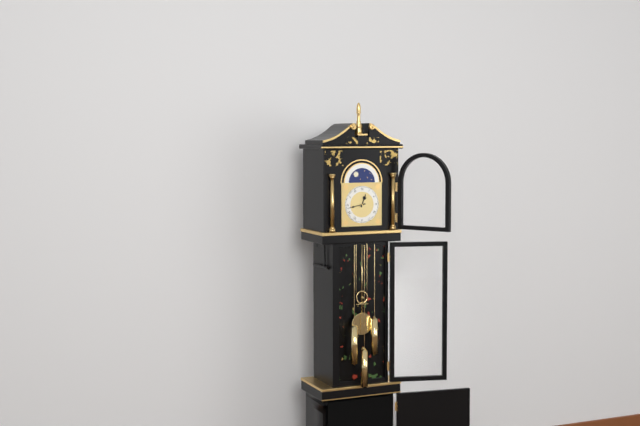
12:43
